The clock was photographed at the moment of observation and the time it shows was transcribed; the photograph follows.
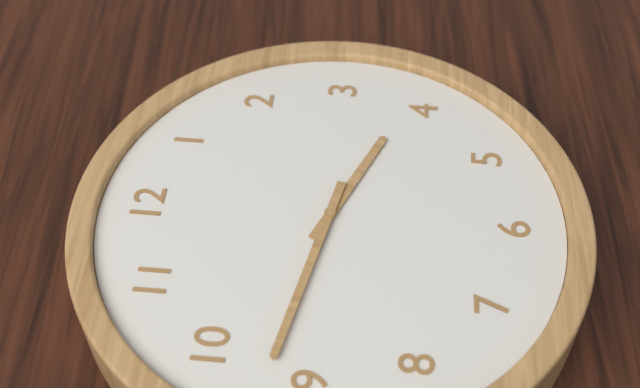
3:47
